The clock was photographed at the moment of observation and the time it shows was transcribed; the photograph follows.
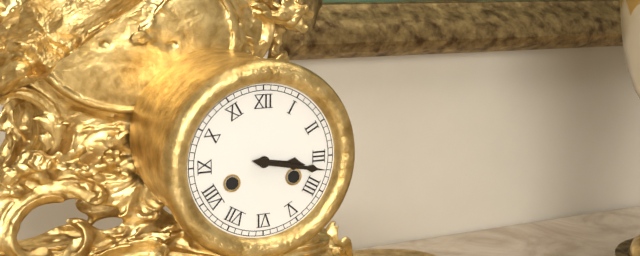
3:17
